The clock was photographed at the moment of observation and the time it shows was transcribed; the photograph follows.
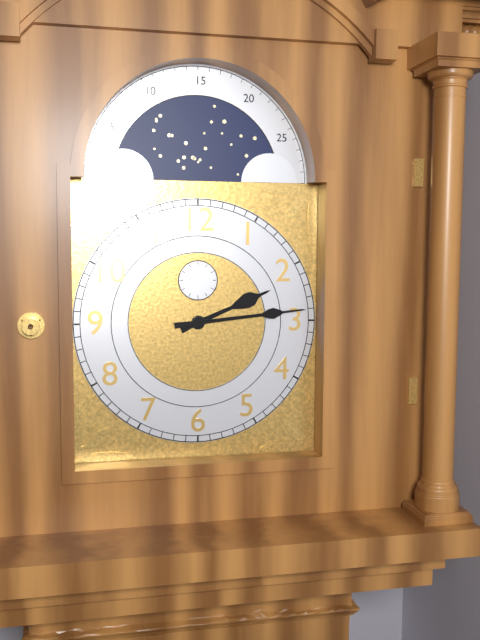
2:14
